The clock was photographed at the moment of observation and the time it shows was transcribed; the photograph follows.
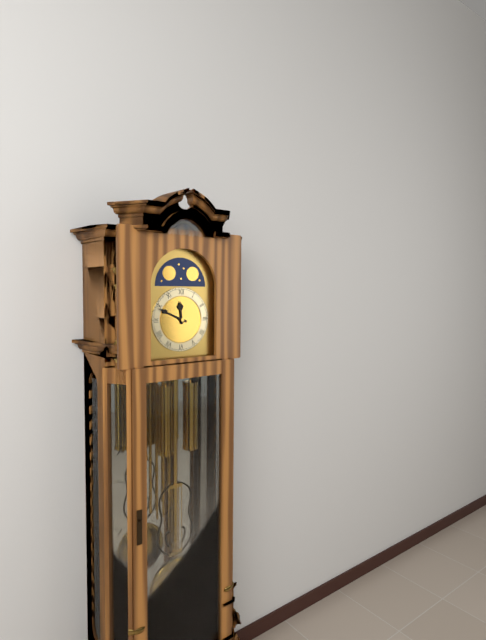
11:49
